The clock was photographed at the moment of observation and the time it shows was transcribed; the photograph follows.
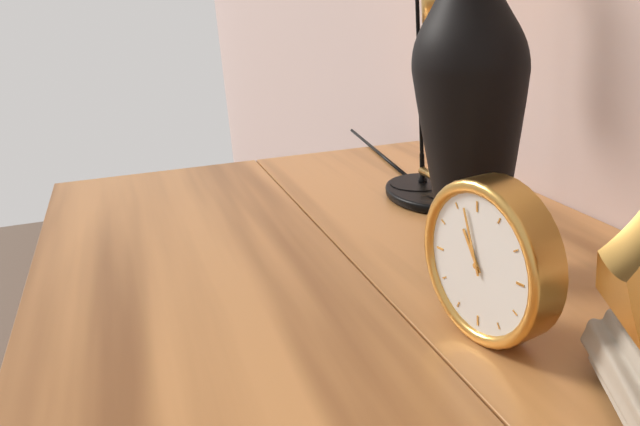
10:57
